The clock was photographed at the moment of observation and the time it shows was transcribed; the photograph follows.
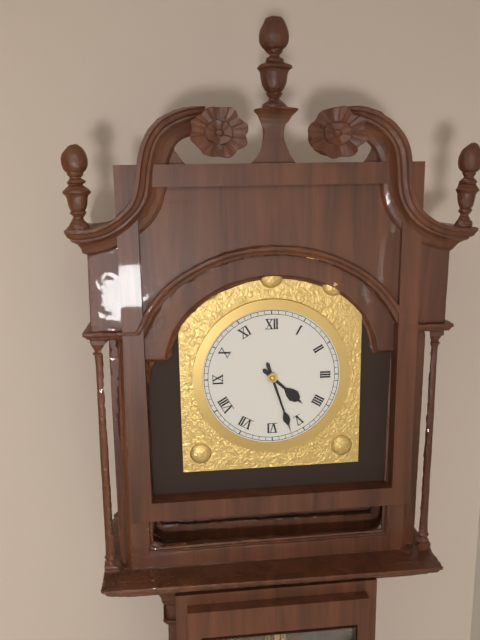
4:27
